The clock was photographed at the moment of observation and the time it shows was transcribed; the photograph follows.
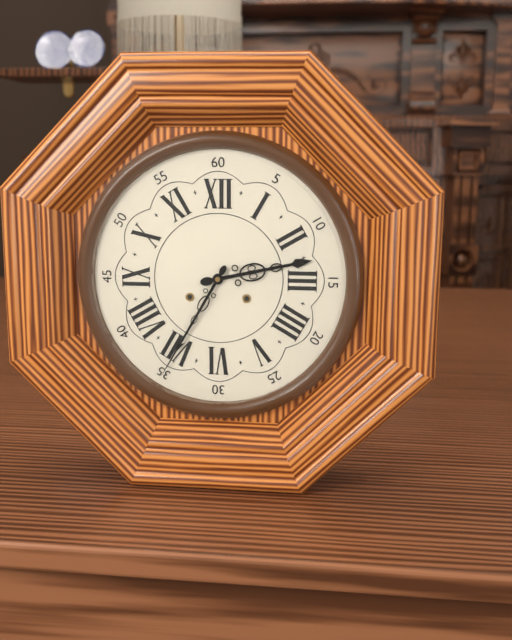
2:35
